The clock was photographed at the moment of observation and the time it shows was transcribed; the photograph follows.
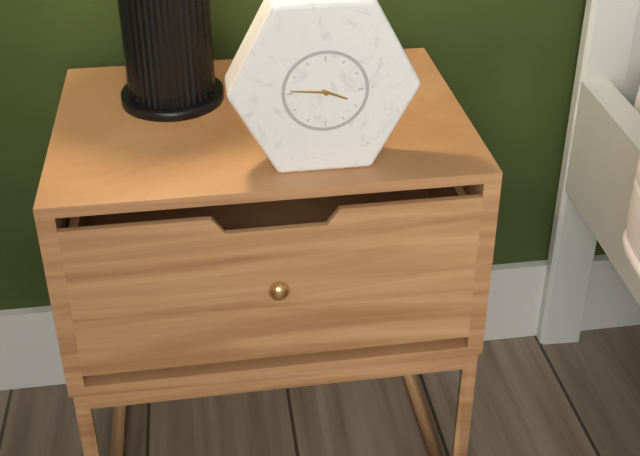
3:46
